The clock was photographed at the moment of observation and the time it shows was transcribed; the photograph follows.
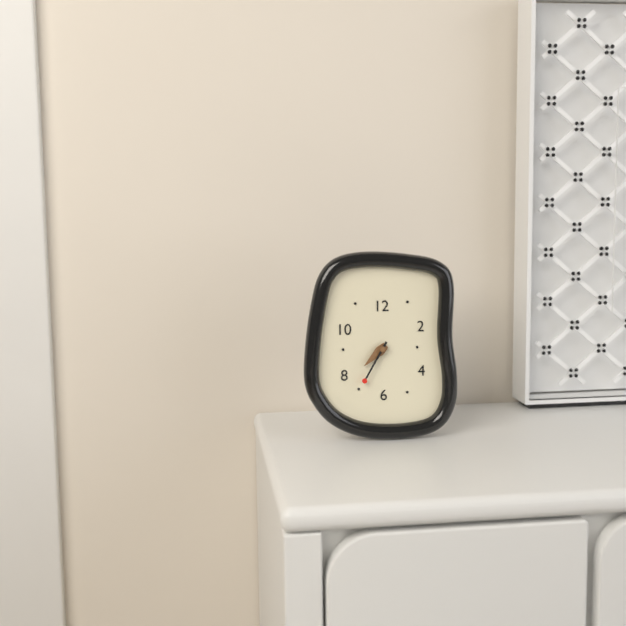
7:35
